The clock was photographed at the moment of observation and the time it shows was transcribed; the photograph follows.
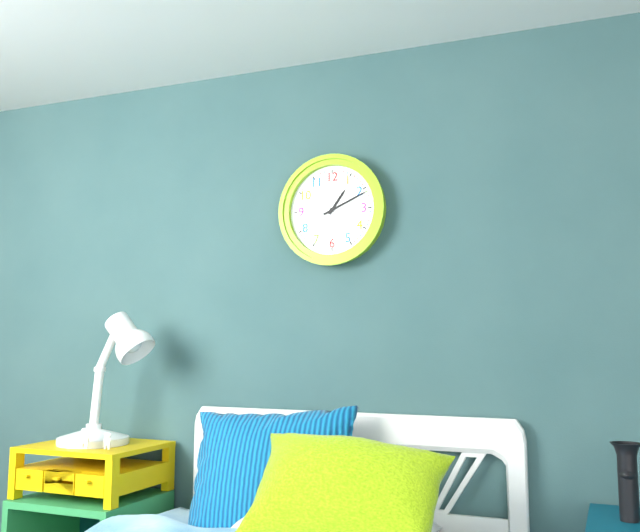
1:11
